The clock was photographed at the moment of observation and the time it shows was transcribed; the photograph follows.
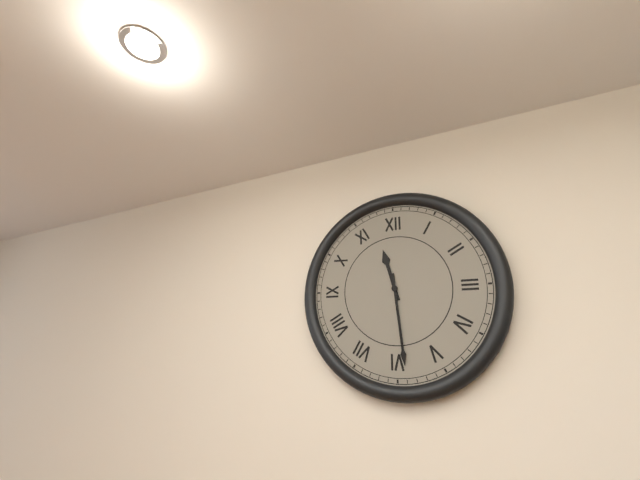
11:29
